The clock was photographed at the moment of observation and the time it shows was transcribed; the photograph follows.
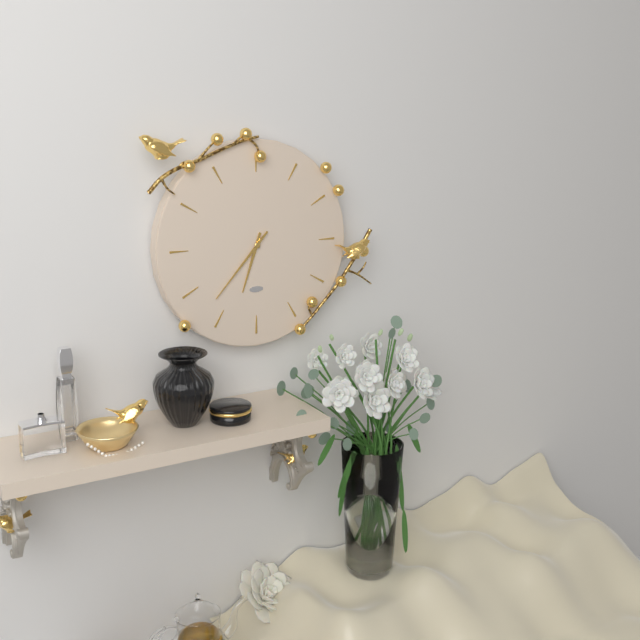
6:37
